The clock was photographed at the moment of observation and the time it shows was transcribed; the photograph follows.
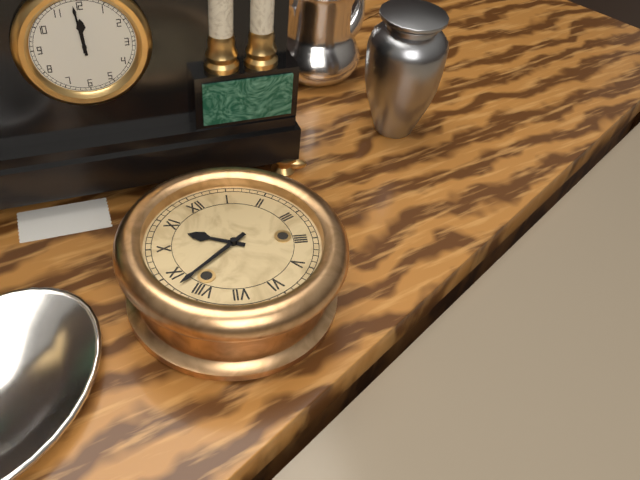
10:43
